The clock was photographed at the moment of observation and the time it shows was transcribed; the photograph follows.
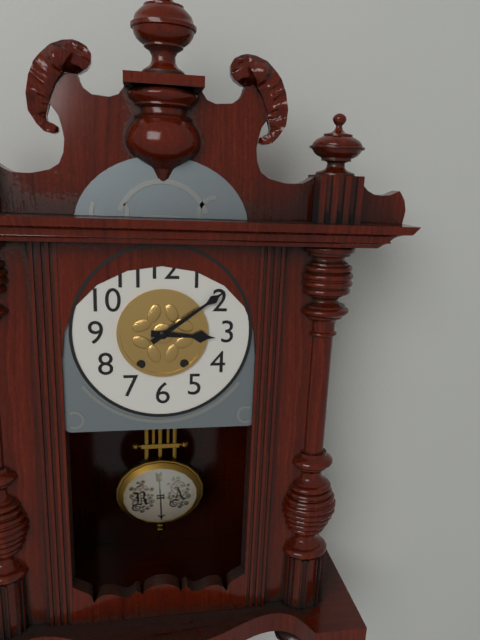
3:09
